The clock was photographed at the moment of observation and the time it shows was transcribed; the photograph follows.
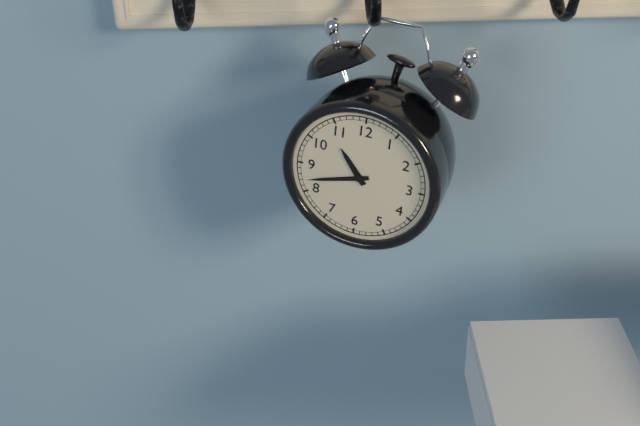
10:42
